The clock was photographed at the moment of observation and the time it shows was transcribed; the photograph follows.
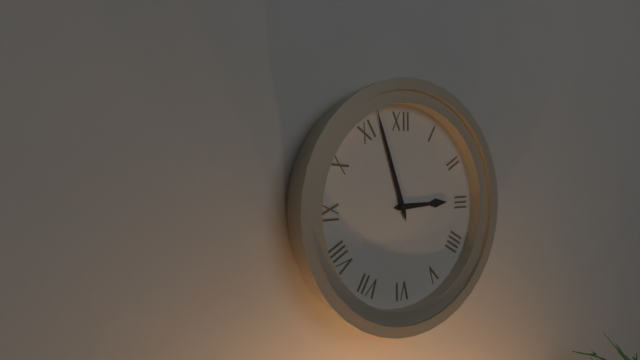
2:57
